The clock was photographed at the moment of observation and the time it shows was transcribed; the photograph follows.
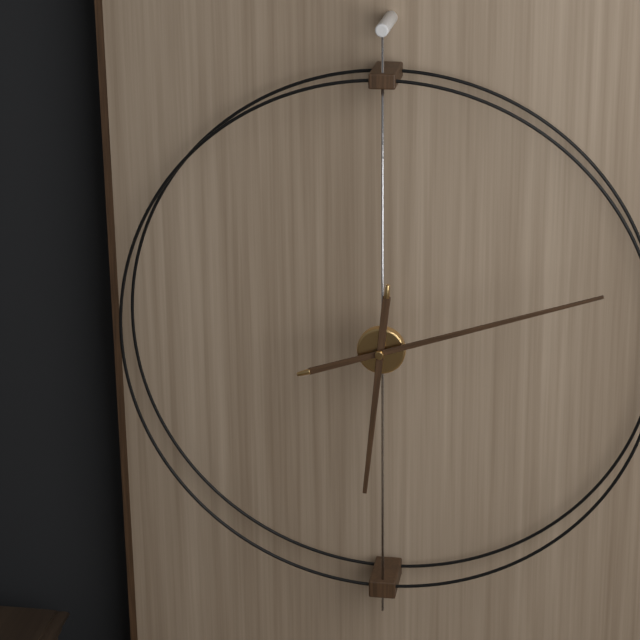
6:12
